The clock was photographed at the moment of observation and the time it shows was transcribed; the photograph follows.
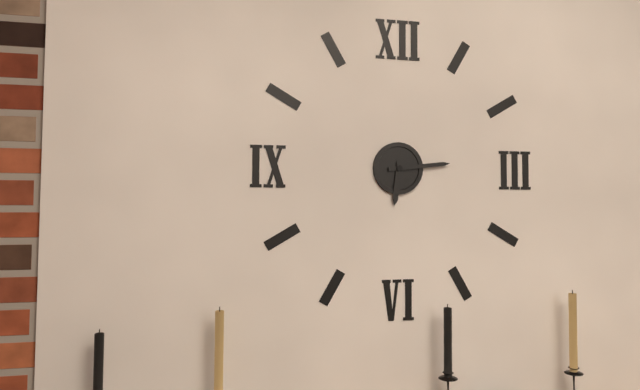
6:14
